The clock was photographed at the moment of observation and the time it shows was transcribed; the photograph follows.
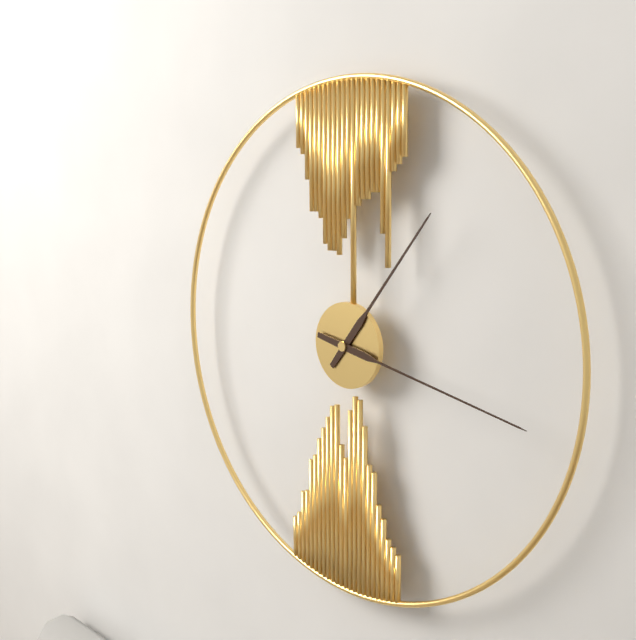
1:17
